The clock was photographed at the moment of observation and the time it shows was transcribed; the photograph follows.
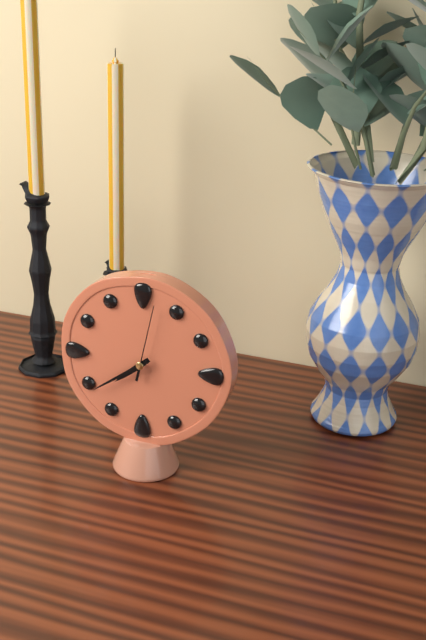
7:39:02
